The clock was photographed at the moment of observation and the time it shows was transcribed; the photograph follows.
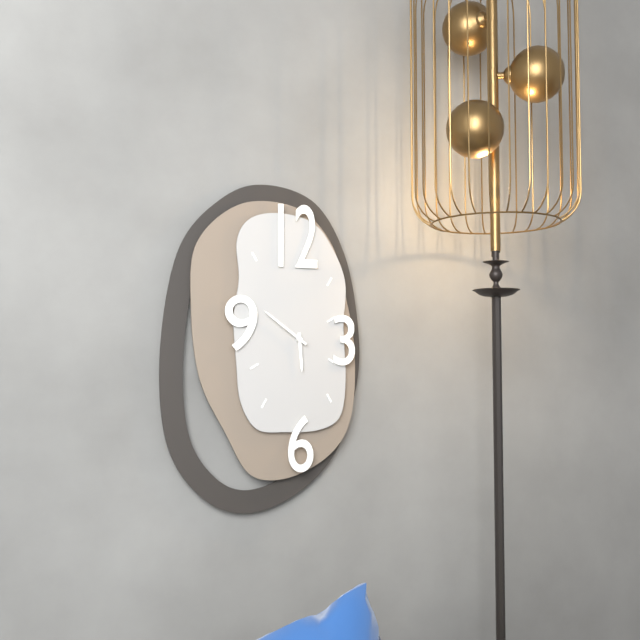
5:51
